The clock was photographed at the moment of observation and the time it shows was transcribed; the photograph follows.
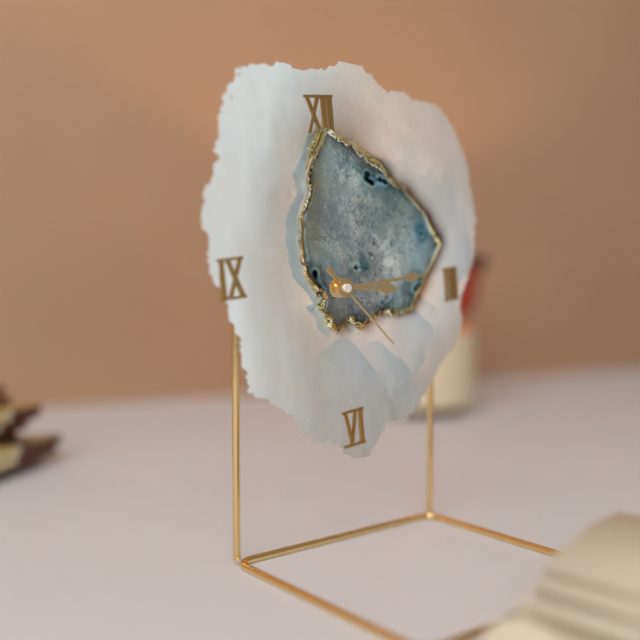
3:15:23
